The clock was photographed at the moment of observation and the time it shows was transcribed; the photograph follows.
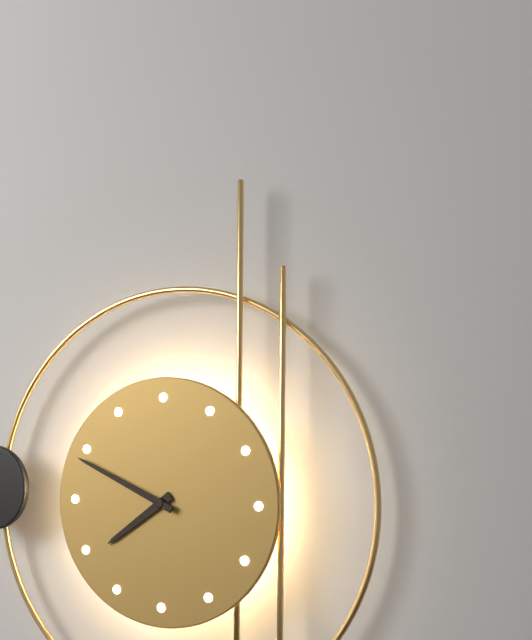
7:49
